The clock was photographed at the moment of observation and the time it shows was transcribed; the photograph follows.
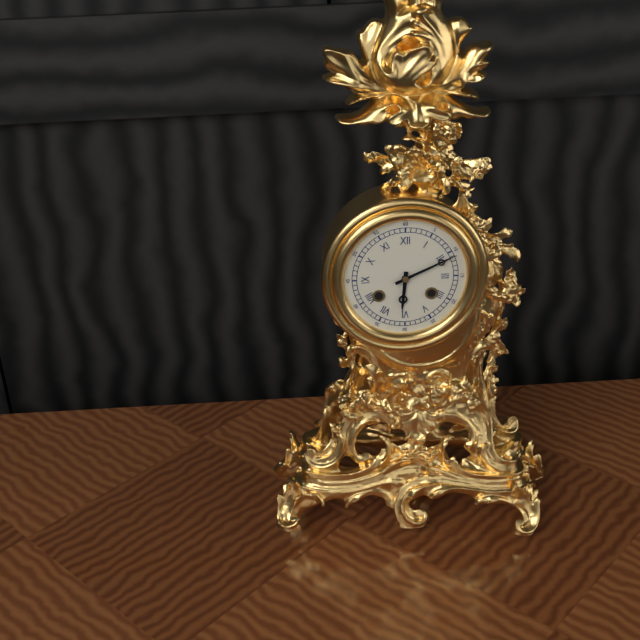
6:11
